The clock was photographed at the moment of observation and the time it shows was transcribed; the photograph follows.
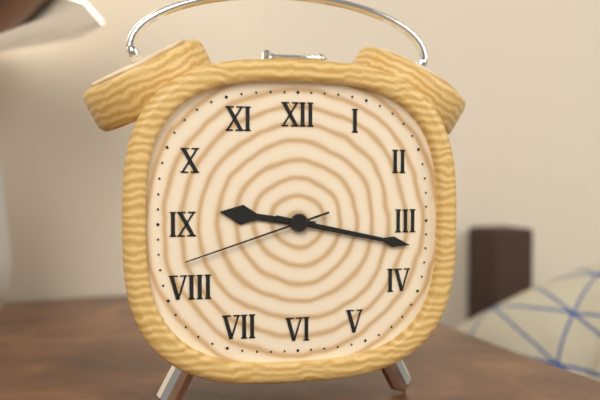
9:17:42
